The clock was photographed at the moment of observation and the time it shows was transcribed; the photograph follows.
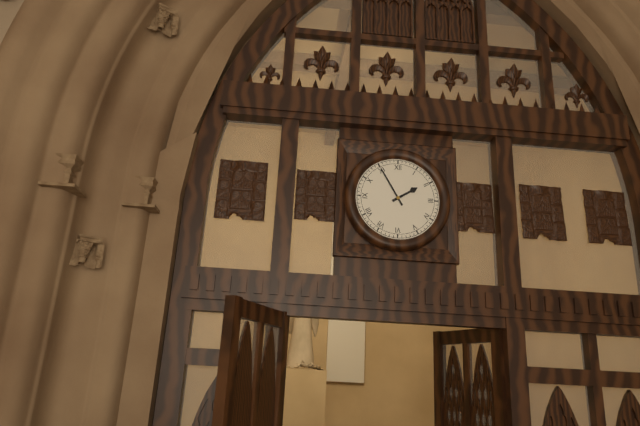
1:55
